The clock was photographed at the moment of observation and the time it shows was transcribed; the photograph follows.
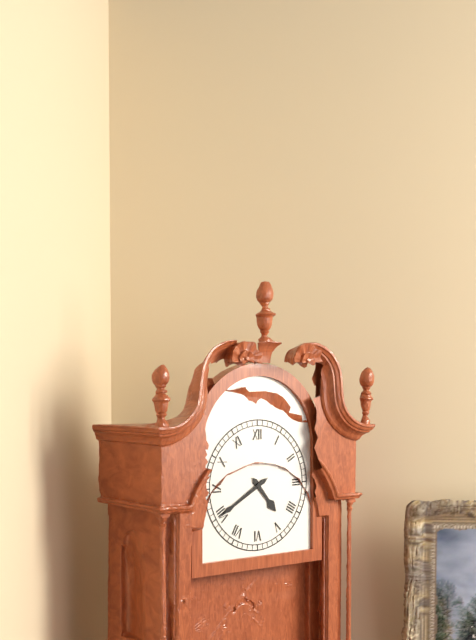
4:40
